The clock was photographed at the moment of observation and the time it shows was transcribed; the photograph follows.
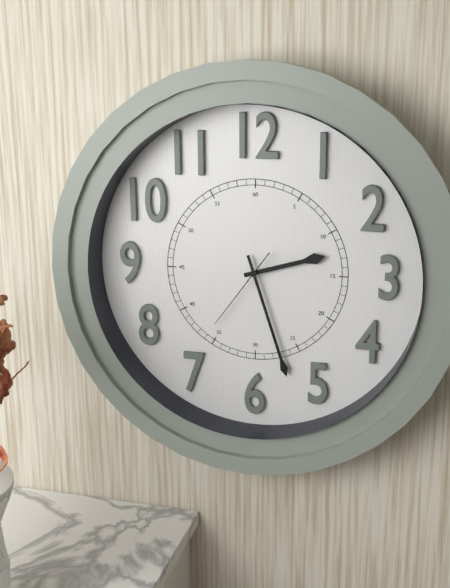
2:27:36
